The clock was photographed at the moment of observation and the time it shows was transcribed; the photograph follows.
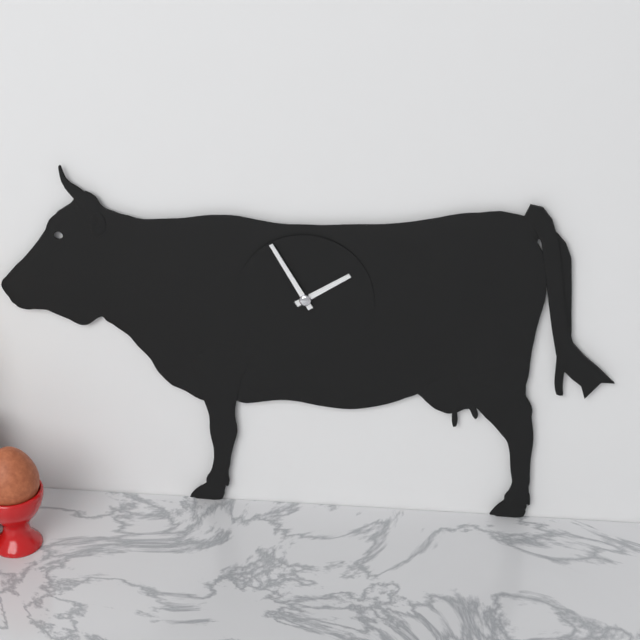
1:55
